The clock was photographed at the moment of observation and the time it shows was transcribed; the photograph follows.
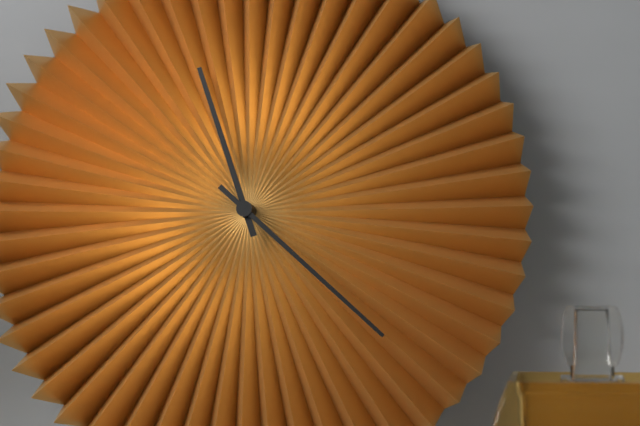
11:22
